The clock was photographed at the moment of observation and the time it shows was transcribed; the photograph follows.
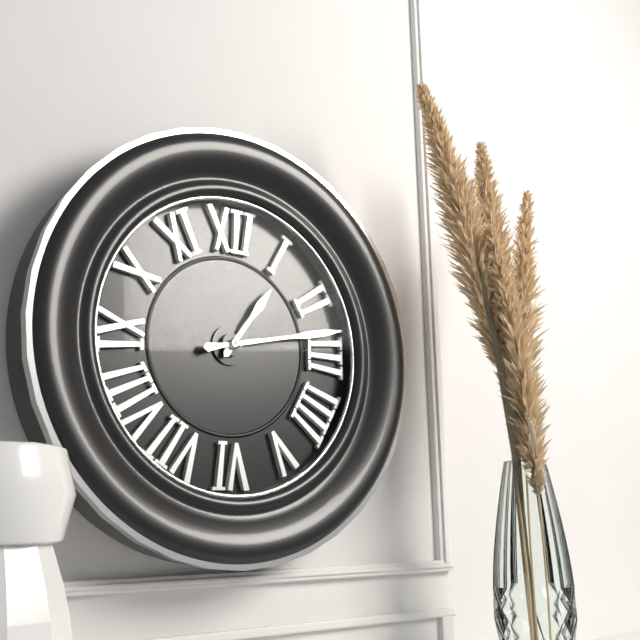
1:13
